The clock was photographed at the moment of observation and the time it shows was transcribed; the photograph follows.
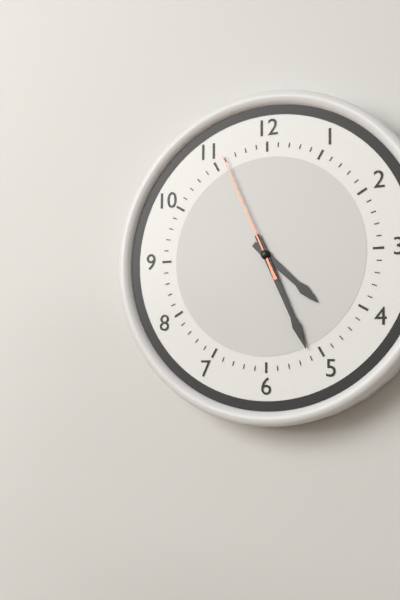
4:26:56
